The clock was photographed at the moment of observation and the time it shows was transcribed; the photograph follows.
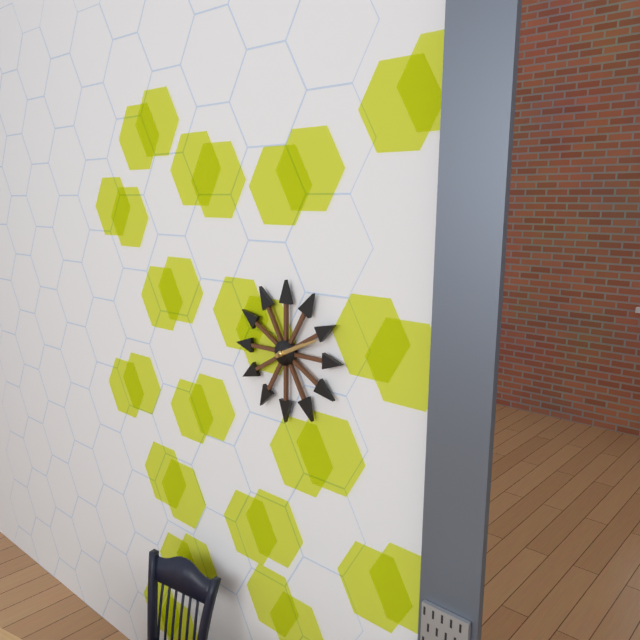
2:11
